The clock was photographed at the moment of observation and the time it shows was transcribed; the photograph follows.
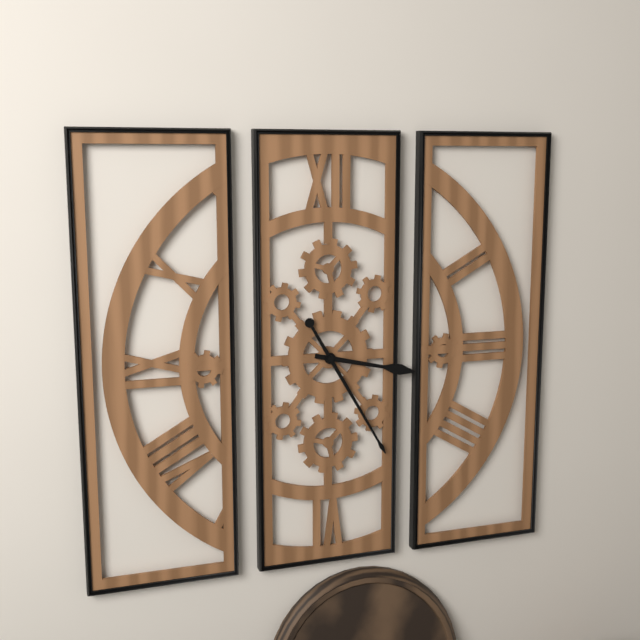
3:25
